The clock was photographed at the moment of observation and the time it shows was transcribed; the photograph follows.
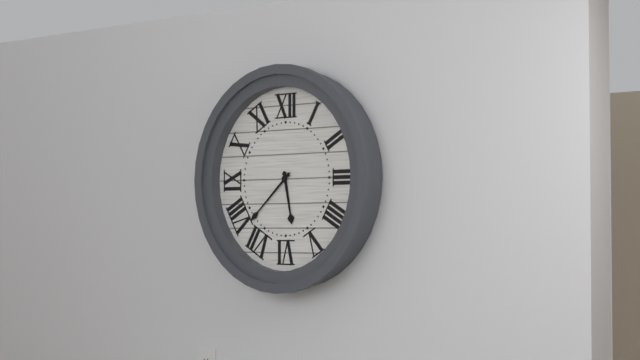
5:38
